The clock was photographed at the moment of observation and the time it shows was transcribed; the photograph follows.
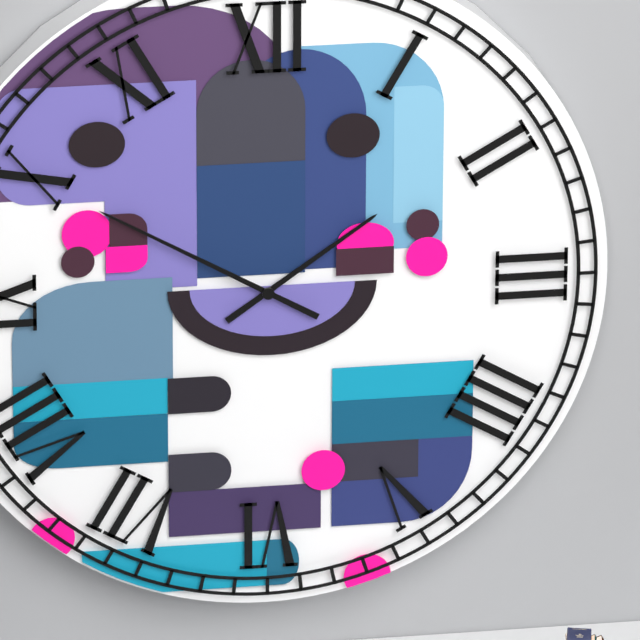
1:50
